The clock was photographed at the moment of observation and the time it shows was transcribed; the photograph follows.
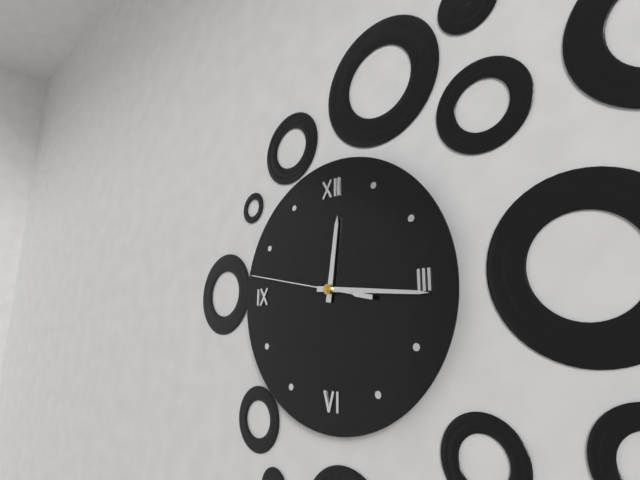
12:16:47
